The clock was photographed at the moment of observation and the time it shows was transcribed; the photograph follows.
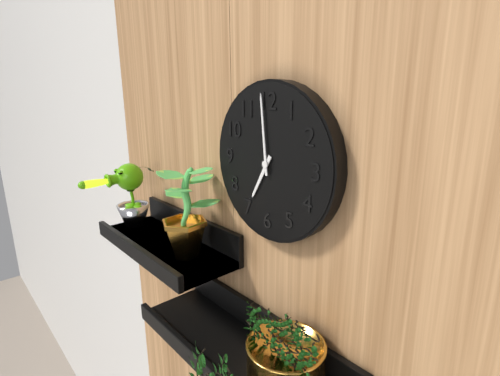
6:59
